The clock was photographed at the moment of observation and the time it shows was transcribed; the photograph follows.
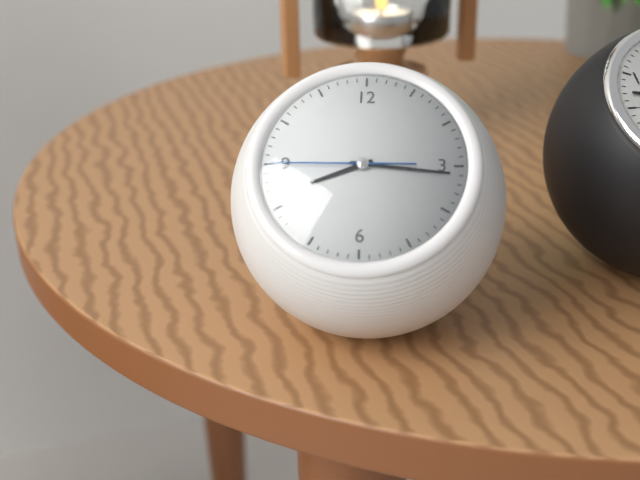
8:16:45
